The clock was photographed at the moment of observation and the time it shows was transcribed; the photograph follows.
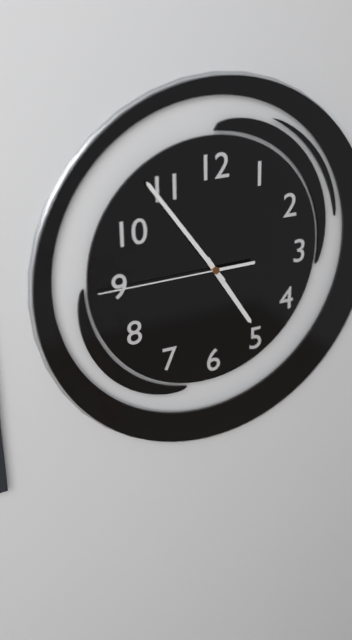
4:54:45
